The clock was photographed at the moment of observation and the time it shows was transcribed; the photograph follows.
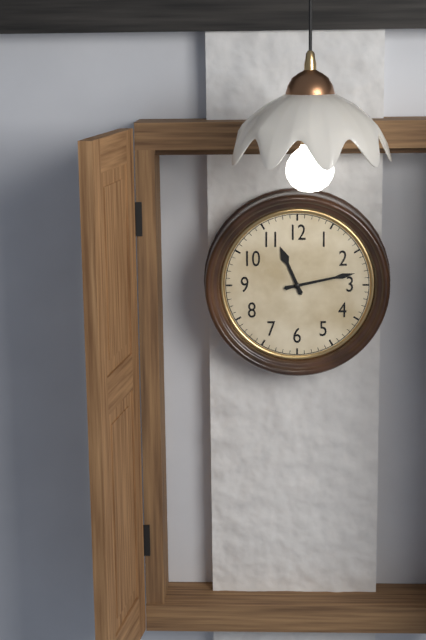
11:13
